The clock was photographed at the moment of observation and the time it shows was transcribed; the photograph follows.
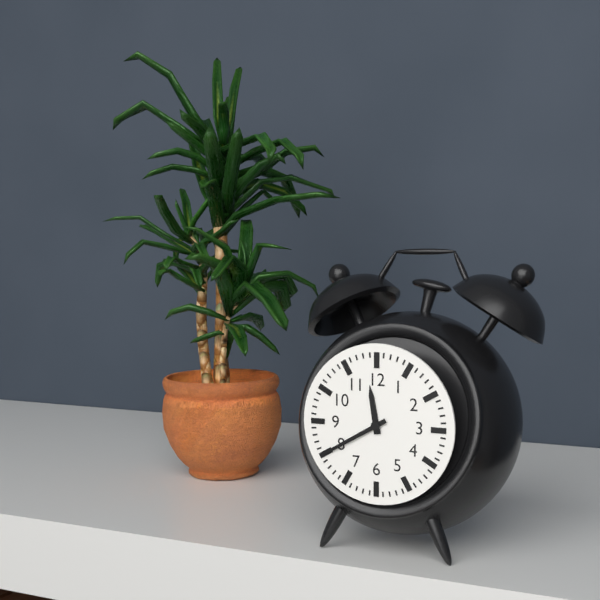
11:40
